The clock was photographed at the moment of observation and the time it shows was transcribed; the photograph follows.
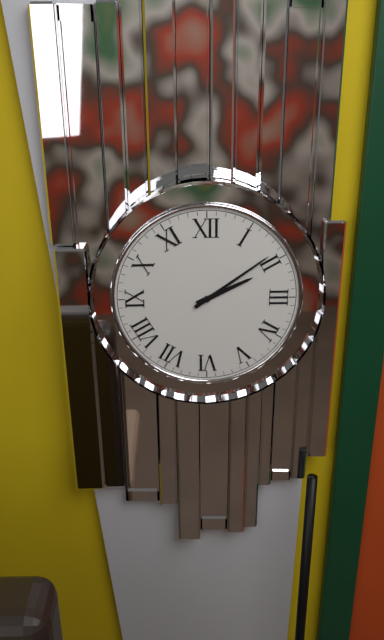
2:09
